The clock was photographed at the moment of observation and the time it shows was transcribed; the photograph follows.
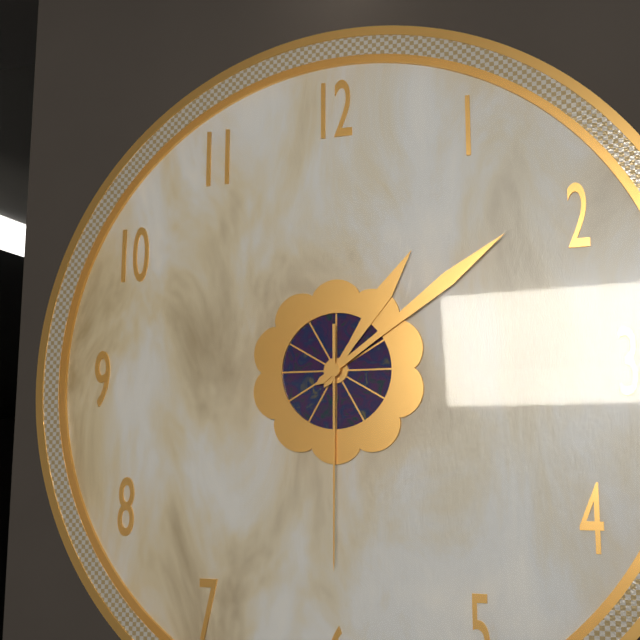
1:09:30
